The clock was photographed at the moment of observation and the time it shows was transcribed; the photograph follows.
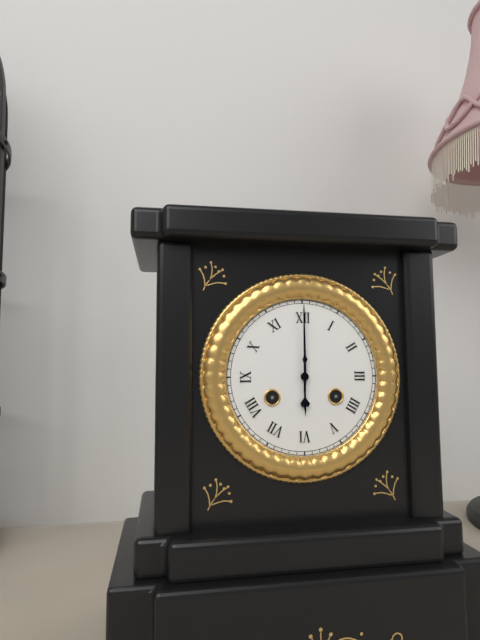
6:00
